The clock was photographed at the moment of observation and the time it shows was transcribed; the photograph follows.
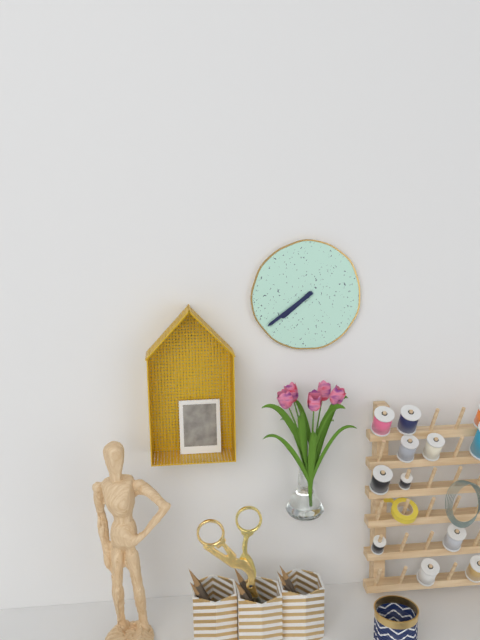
7:39
